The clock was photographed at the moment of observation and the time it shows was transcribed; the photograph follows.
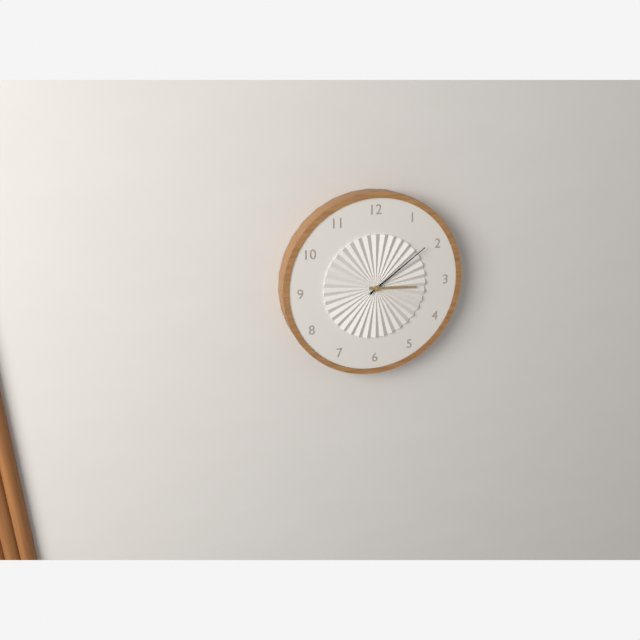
3:09
